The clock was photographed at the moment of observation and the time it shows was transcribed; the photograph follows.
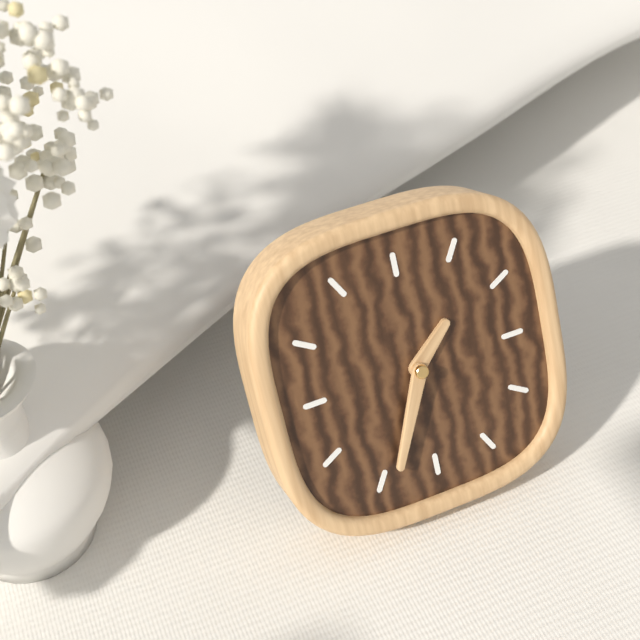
1:34
